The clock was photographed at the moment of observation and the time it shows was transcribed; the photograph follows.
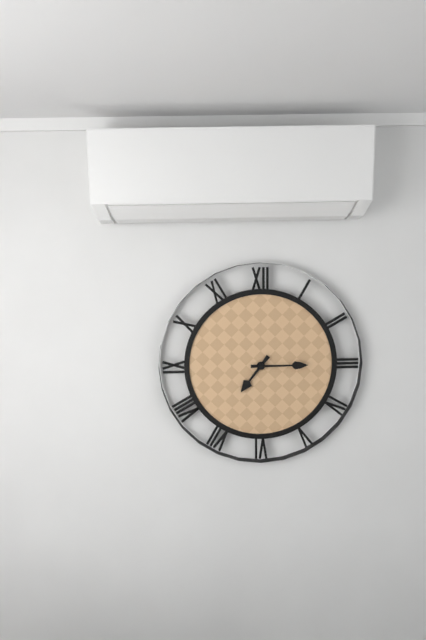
7:15
